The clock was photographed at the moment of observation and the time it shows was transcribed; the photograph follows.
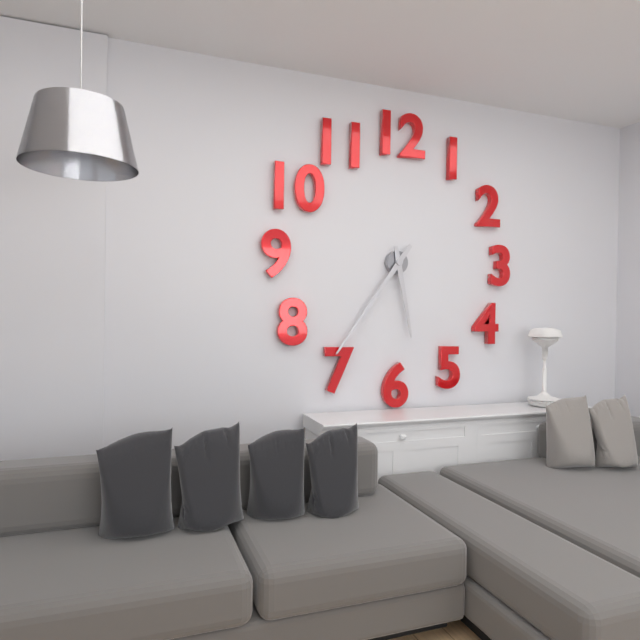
5:36
